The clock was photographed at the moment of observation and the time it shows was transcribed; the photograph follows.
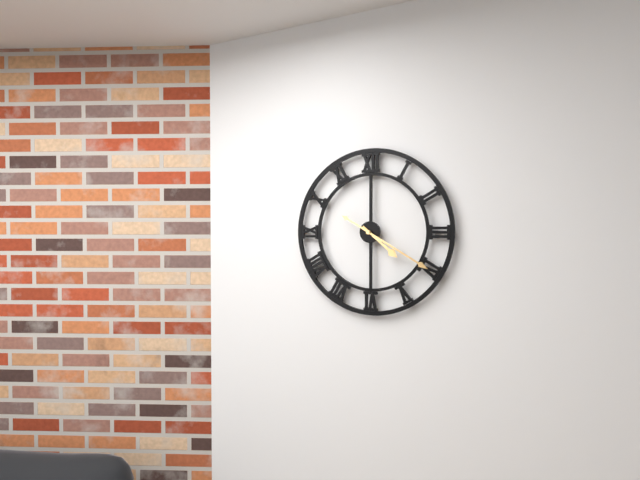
4:20
